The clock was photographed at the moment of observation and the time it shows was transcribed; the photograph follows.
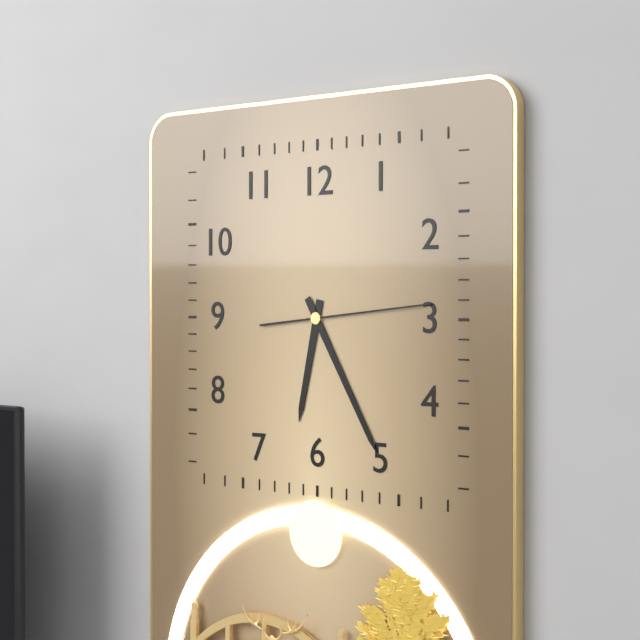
6:25:14
